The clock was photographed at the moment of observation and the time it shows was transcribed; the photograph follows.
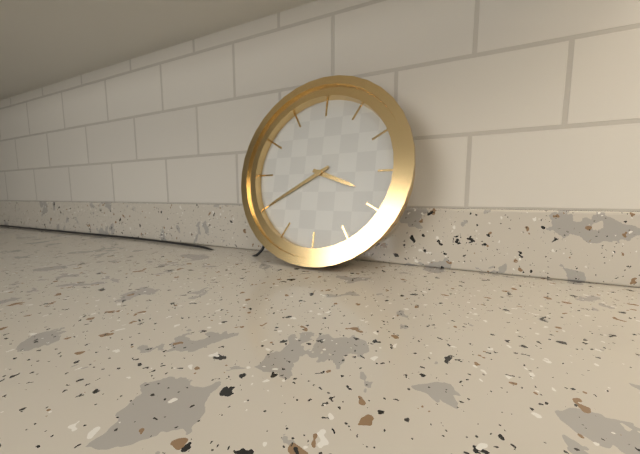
3:40
